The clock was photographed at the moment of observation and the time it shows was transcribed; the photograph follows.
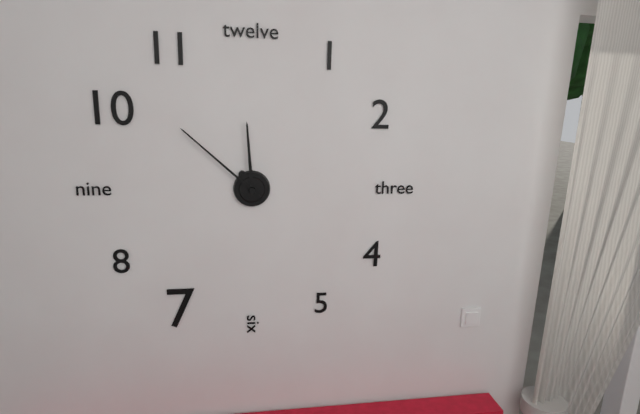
11:52
